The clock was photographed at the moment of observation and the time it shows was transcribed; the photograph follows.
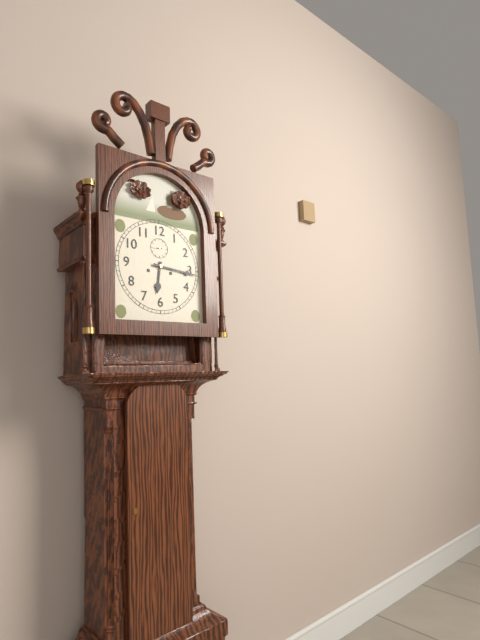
6:16
